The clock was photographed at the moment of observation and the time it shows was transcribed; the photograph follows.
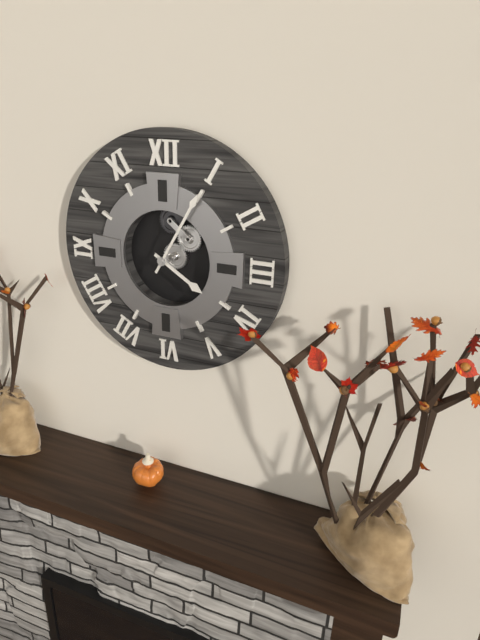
4:05
